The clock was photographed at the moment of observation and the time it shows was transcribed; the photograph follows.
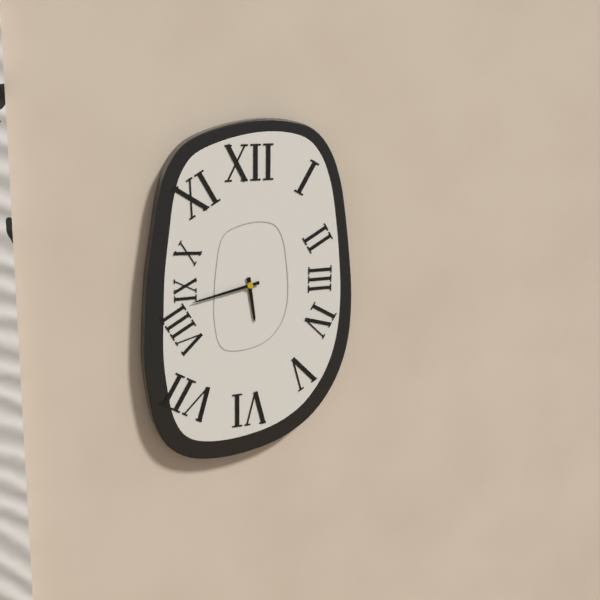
5:43
